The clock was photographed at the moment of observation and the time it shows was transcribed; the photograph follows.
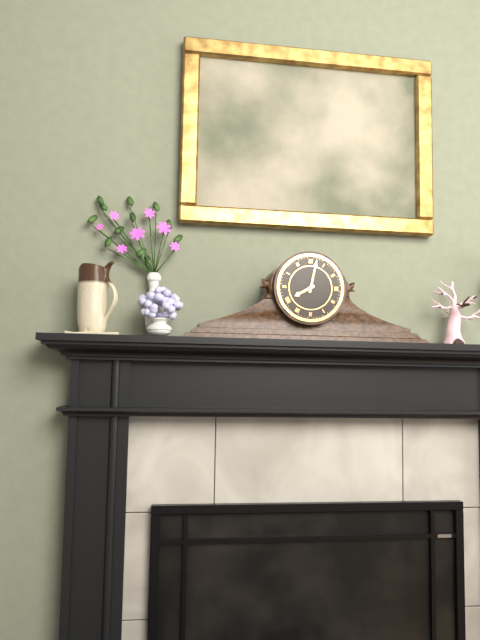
8:02
